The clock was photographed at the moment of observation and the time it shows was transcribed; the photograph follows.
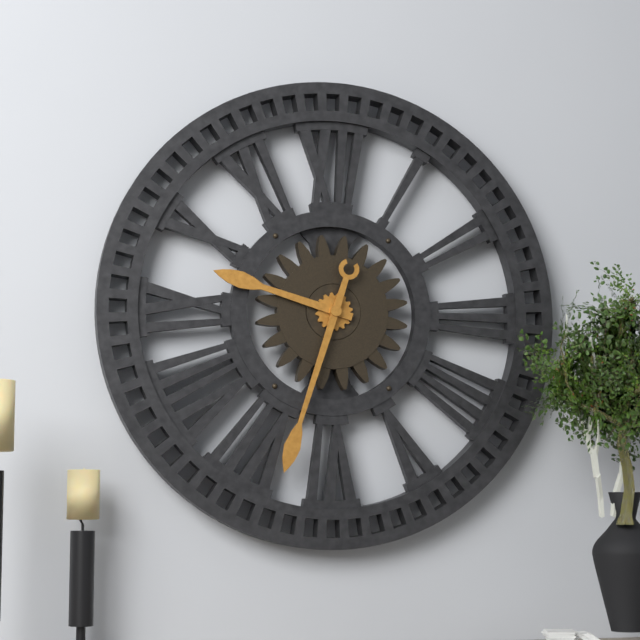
9:33
